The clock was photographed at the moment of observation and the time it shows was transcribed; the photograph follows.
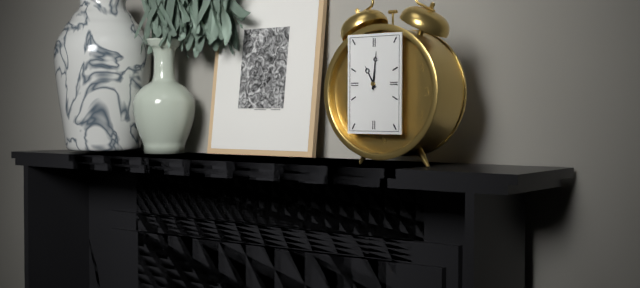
11:01
